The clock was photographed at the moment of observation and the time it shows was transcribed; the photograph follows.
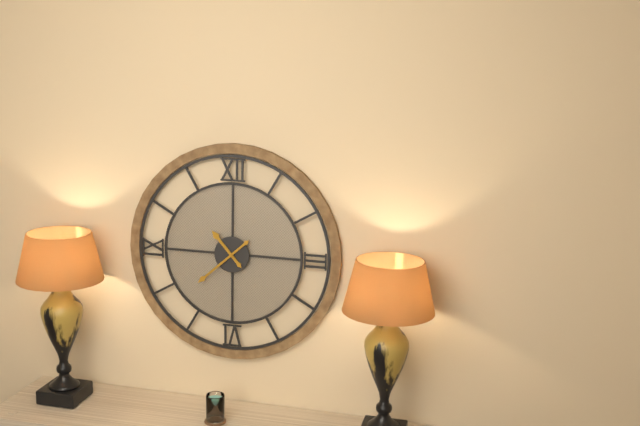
10:38
